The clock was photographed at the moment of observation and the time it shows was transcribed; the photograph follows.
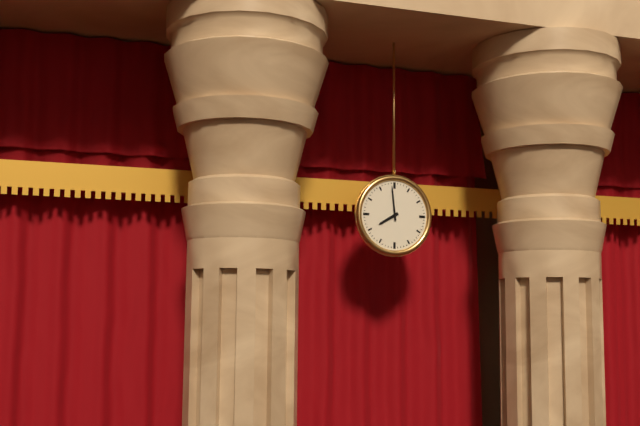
7:59
